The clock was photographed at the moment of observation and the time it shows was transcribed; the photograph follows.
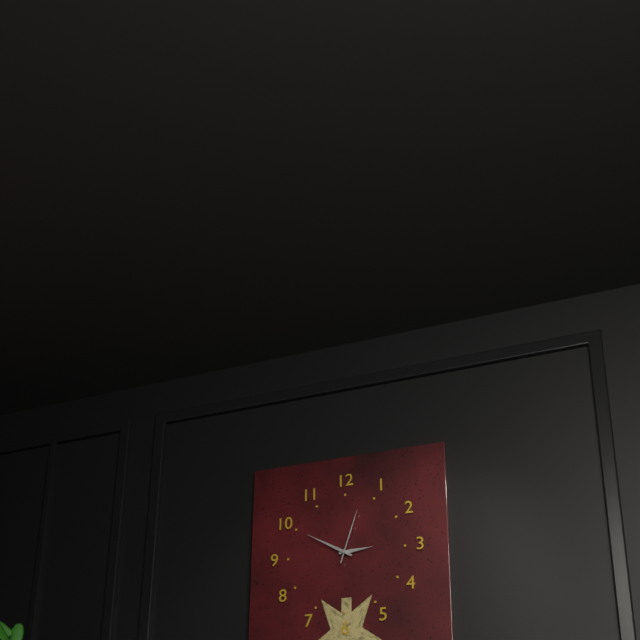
2:50:03
